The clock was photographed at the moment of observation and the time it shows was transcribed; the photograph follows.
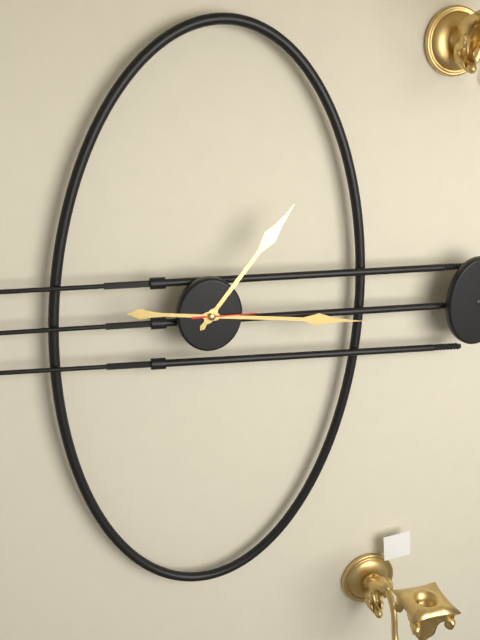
1:16:15
